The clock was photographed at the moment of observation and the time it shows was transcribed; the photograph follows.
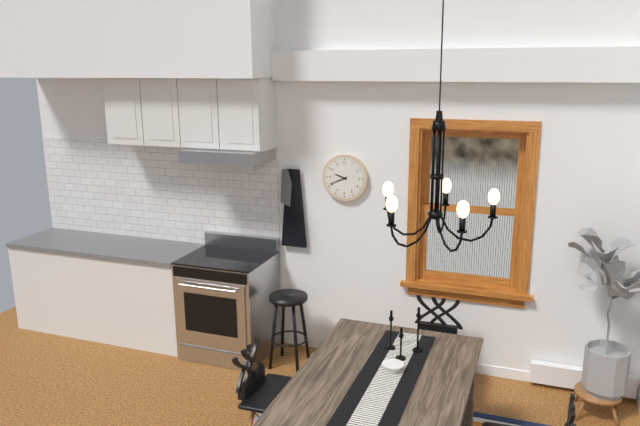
9:41
